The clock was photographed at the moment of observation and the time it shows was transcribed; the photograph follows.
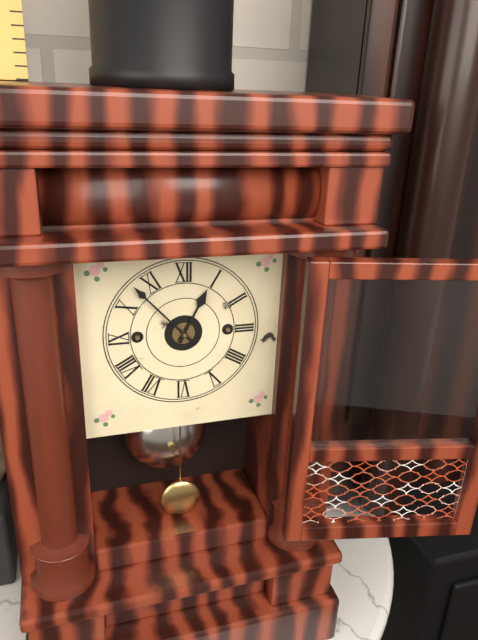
12:53
